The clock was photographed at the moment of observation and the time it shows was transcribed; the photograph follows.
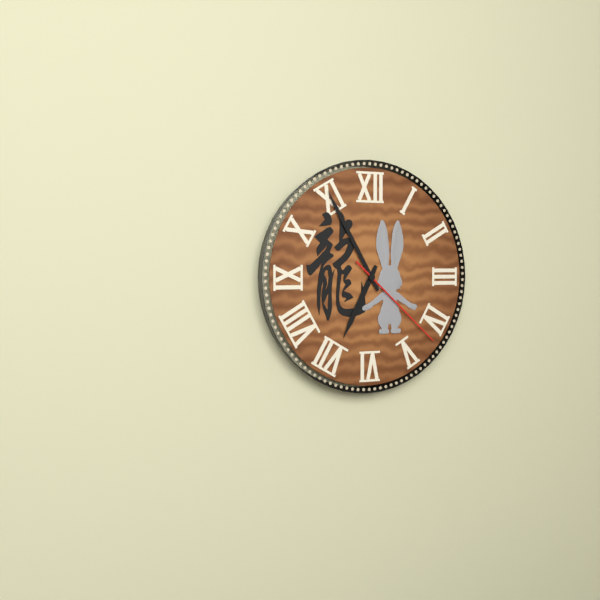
6:55:22
